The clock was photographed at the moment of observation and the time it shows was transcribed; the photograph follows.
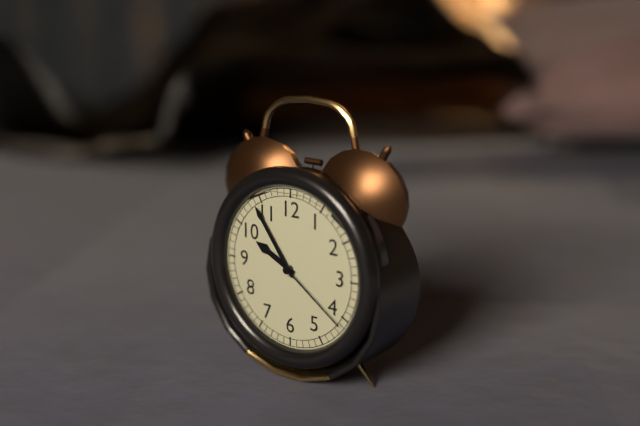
9:54:21
